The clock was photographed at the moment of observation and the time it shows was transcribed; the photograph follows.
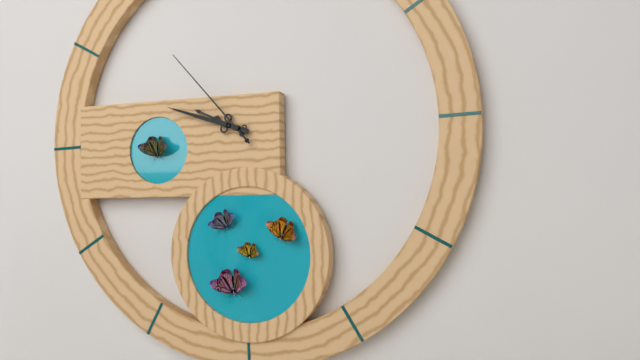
9:48:53
